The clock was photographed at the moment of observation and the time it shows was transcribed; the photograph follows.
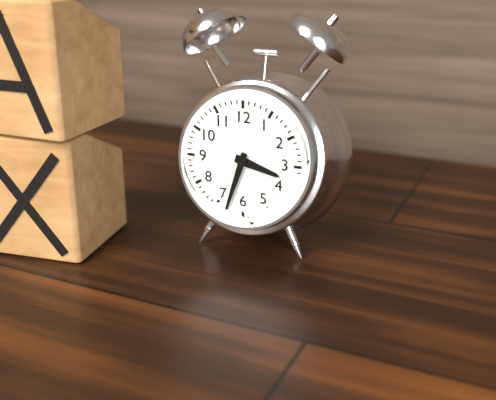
3:33
